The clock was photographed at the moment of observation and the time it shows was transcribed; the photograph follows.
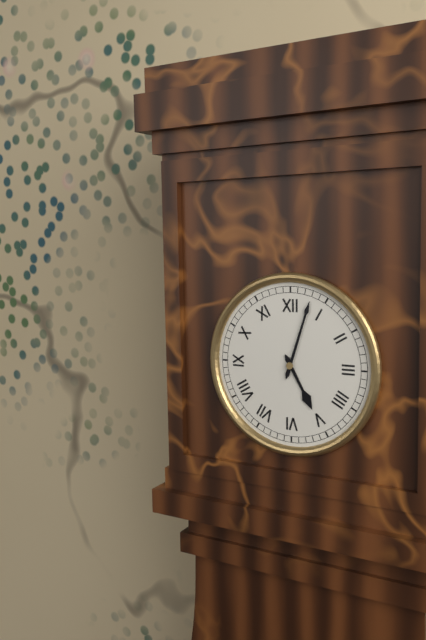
5:03
